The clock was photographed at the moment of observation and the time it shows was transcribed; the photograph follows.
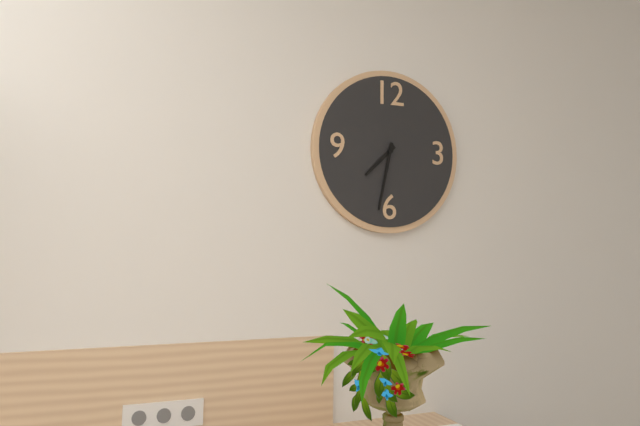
7:32
